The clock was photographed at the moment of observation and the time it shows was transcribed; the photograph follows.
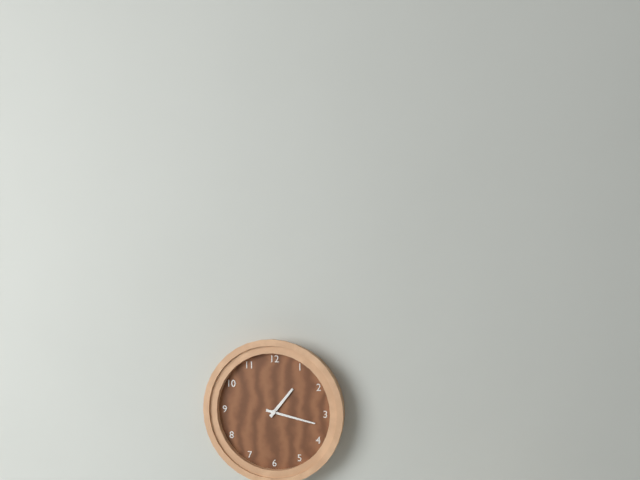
1:17
